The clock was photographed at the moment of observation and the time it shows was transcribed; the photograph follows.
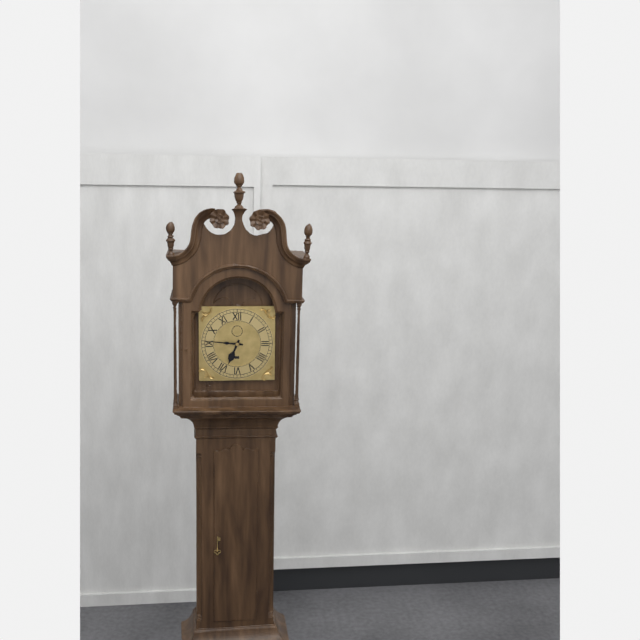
6:46
